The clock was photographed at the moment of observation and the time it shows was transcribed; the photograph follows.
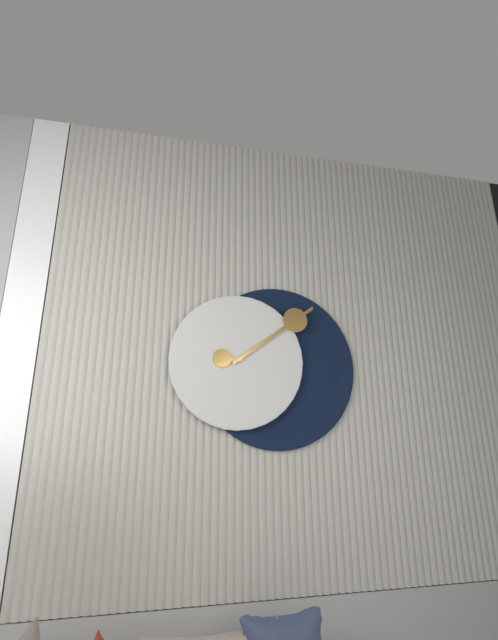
9:09
